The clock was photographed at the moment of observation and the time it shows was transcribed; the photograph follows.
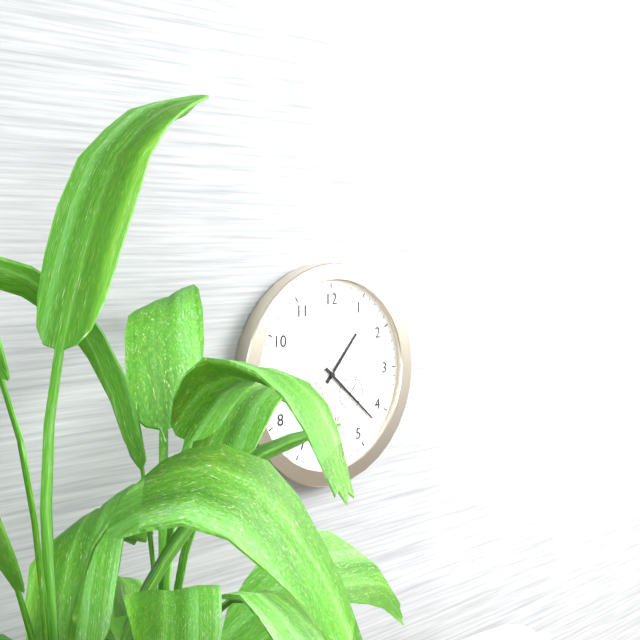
1:22:00
